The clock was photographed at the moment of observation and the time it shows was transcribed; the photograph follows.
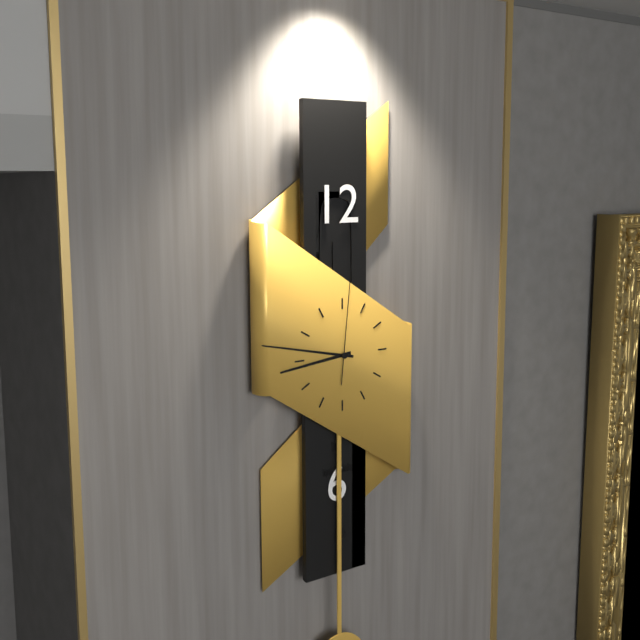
8:47:01
